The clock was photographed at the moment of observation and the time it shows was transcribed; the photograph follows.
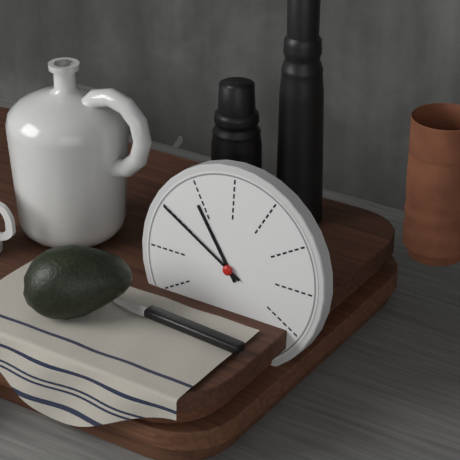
10:50
